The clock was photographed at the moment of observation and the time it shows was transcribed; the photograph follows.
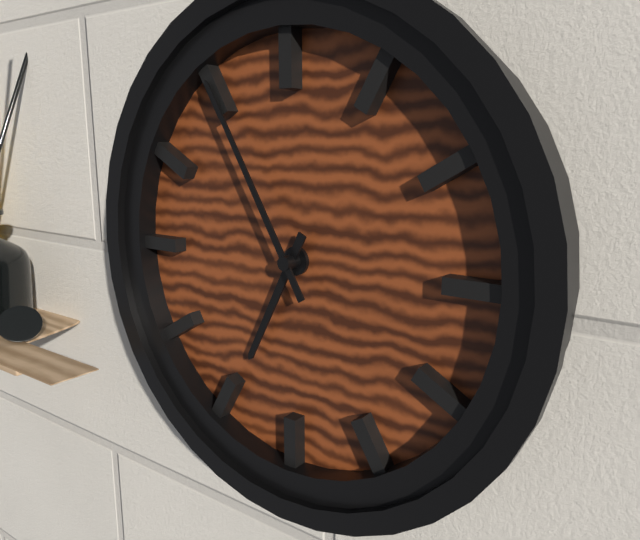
6:55
